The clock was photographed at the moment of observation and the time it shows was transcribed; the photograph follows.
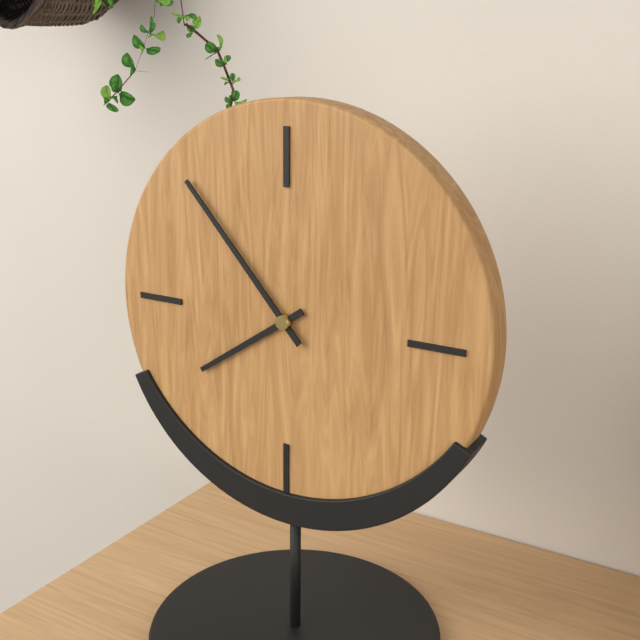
7:53
